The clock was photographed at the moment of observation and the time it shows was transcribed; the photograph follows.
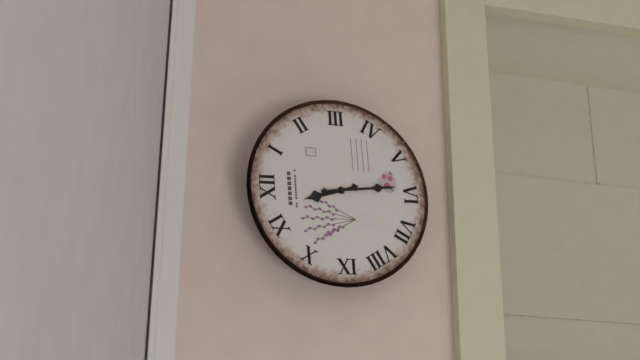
11:29
